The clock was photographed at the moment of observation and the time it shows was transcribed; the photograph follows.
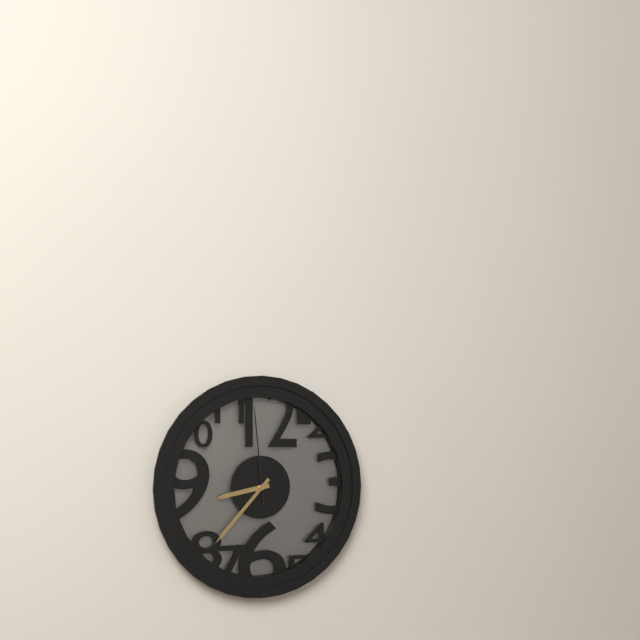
8:37:59
